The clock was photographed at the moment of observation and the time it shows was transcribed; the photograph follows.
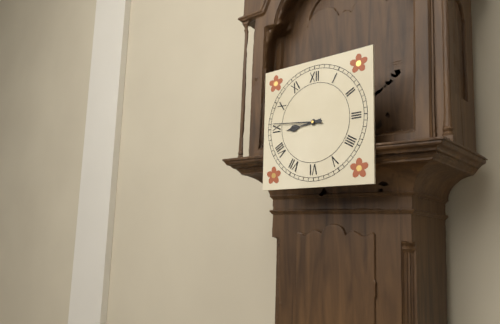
8:46
